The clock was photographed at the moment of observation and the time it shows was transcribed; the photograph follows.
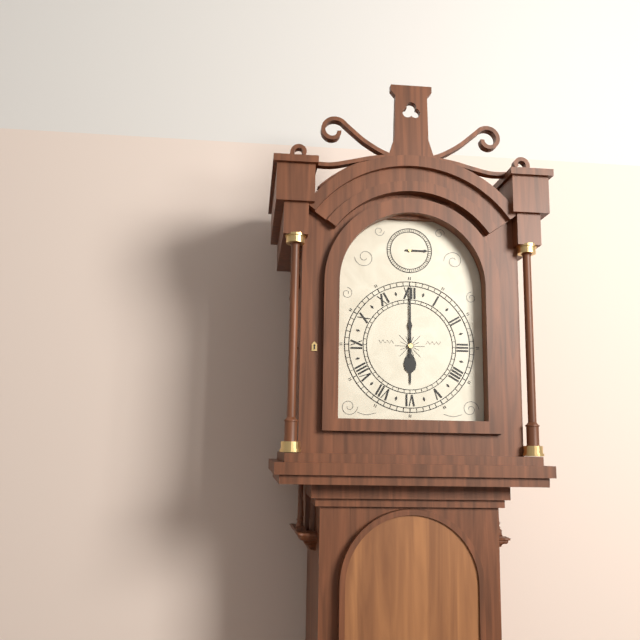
6:00
